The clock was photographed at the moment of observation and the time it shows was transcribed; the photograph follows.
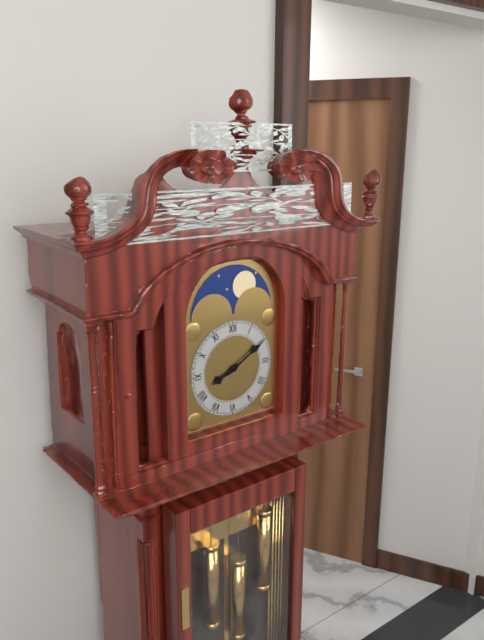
8:10
